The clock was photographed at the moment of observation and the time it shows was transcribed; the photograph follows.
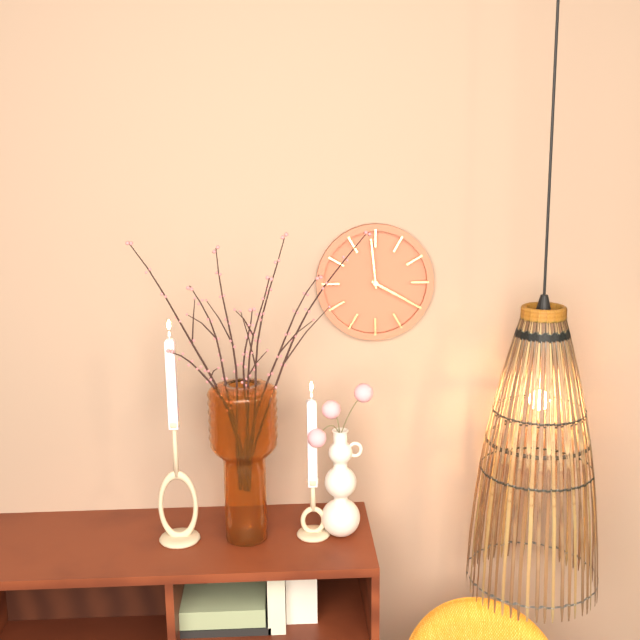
3:59
